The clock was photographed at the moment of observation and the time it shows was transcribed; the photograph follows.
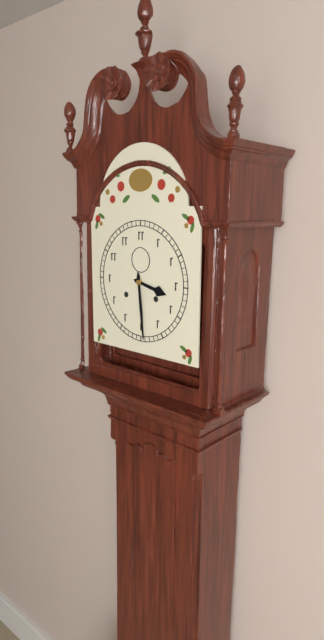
3:29
